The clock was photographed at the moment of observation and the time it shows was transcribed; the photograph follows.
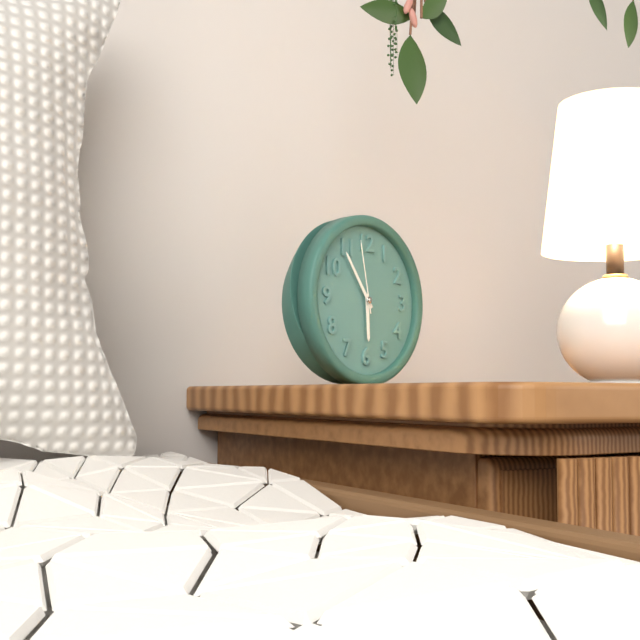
5:54:58
